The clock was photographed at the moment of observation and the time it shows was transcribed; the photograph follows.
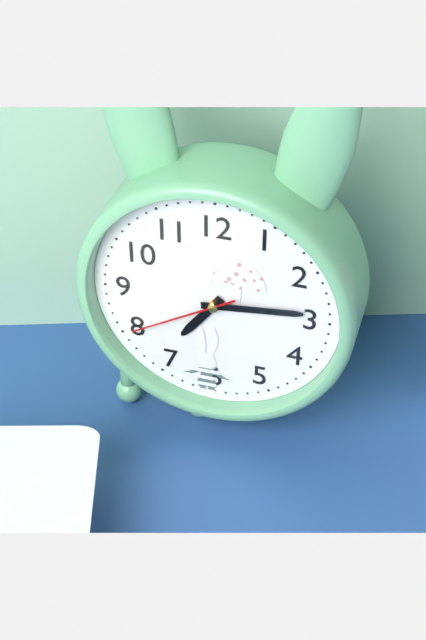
7:14:40
